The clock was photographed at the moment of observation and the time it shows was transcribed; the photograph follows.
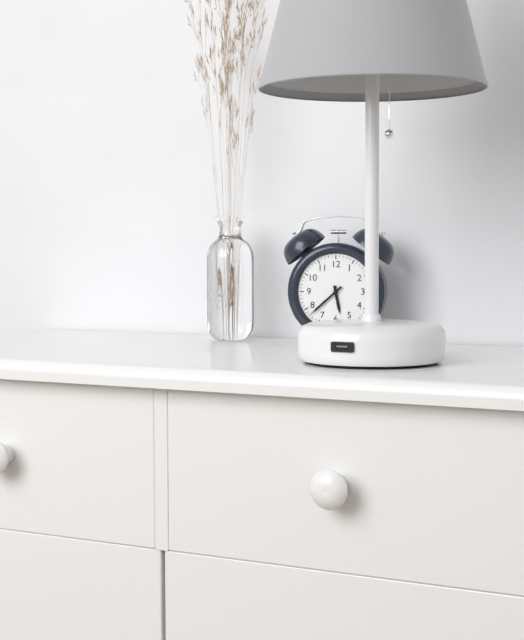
5:38
